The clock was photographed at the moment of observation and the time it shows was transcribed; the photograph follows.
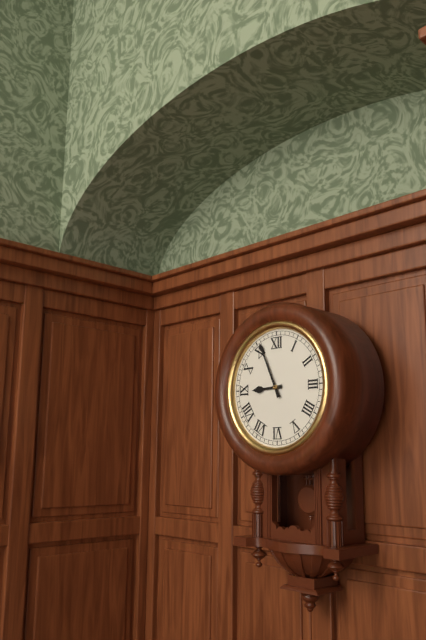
8:56
